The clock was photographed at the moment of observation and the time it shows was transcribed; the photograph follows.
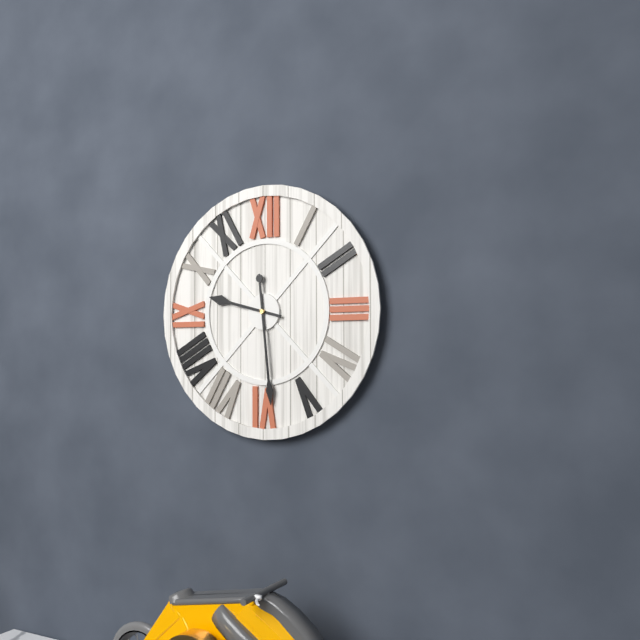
9:29
